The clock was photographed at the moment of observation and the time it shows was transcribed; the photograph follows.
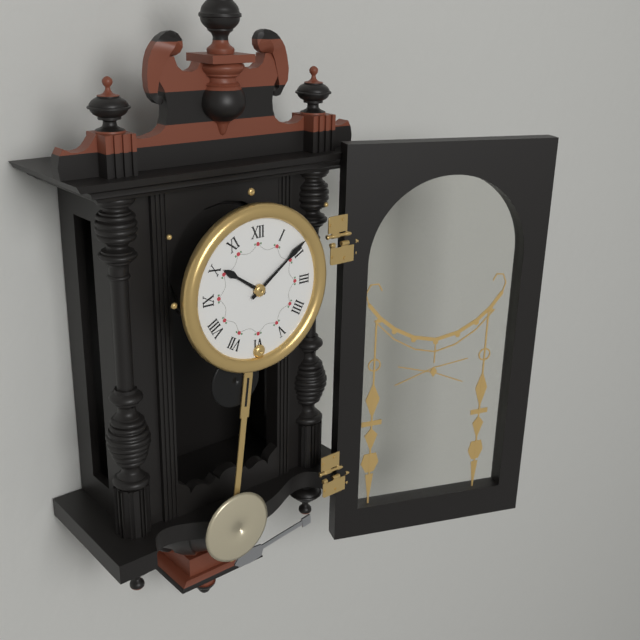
10:09
